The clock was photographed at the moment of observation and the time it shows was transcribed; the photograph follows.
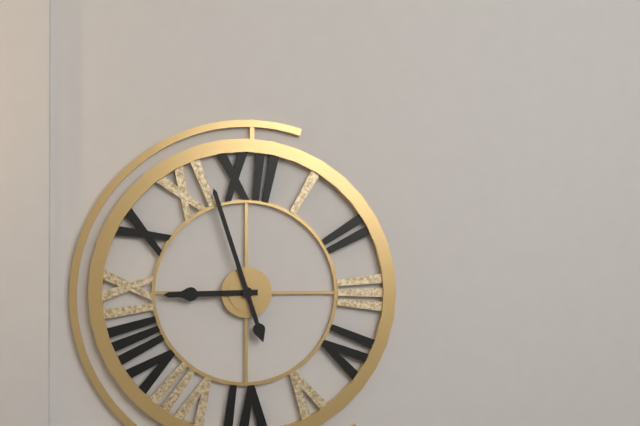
8:57
